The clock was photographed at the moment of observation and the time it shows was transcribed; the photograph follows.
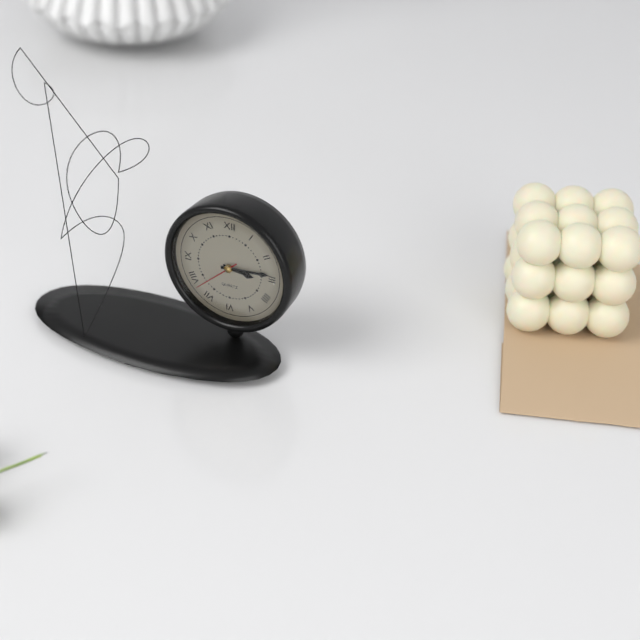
3:14
